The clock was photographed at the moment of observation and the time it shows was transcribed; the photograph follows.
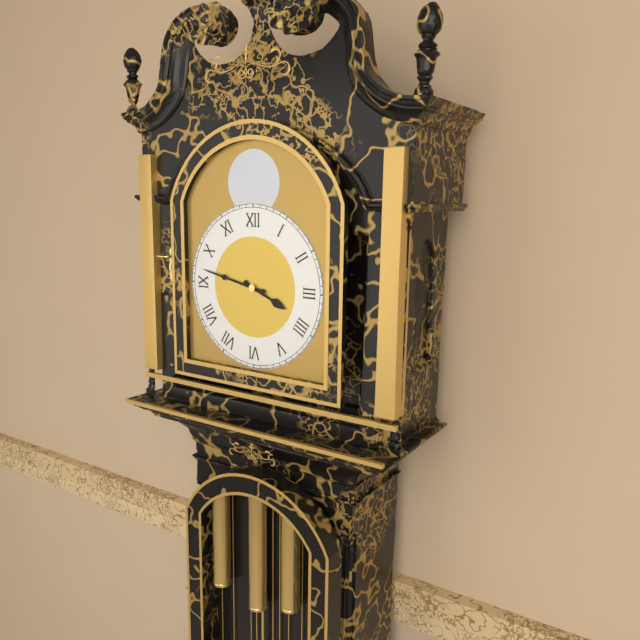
3:47
